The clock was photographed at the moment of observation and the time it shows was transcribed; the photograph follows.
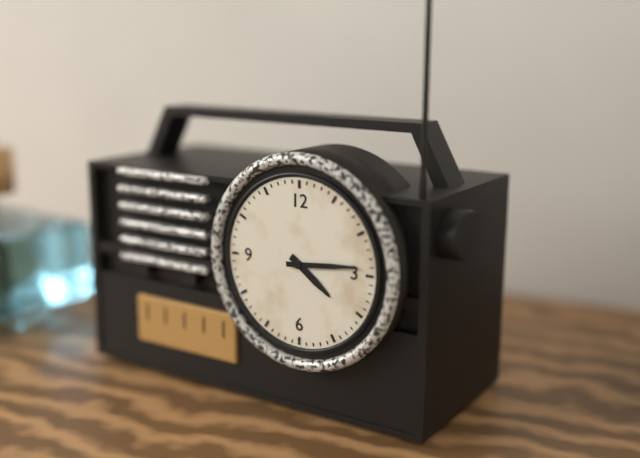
4:14
